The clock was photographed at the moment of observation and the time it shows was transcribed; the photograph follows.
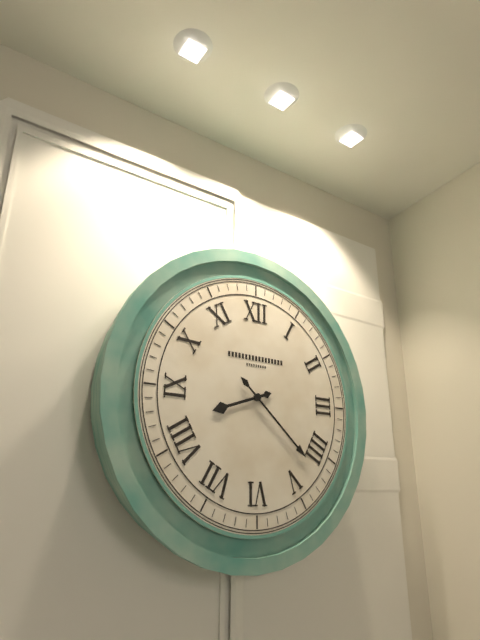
8:22
